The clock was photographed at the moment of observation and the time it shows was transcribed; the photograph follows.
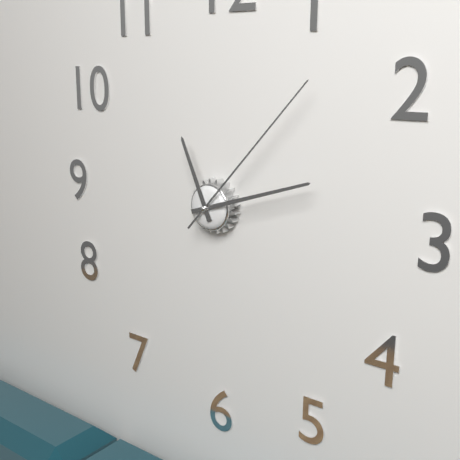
11:12:07
